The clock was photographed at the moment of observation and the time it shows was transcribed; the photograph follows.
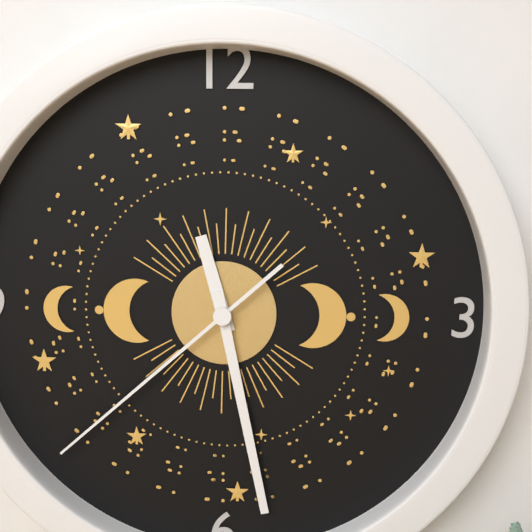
11:28:38
